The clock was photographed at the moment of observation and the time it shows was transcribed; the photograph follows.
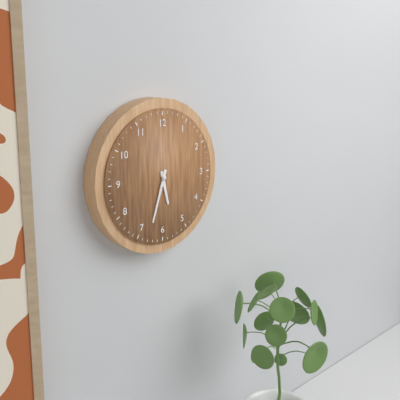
5:33
